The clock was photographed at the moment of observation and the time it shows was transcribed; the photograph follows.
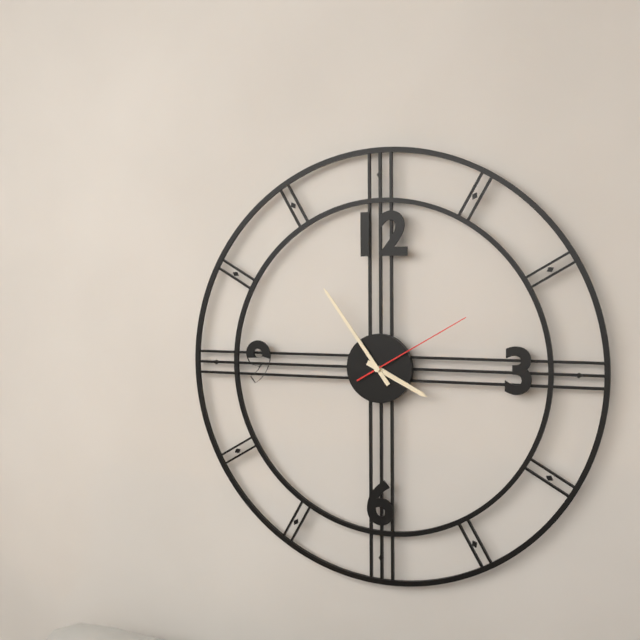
3:54:10
